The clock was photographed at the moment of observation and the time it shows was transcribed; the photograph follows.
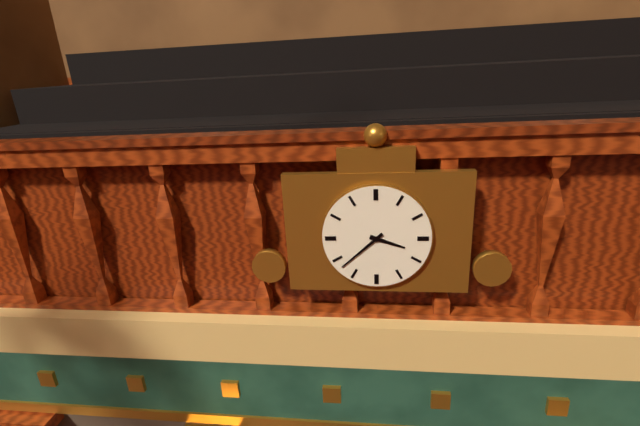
3:38
